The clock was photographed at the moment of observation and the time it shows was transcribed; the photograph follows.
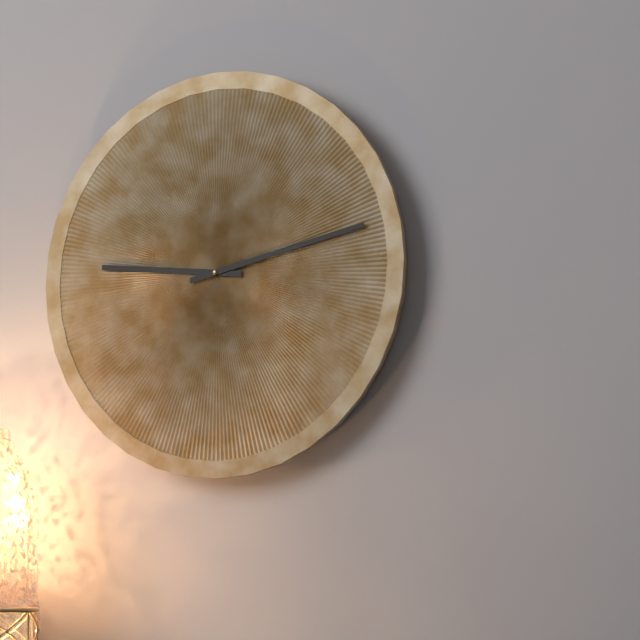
9:13
